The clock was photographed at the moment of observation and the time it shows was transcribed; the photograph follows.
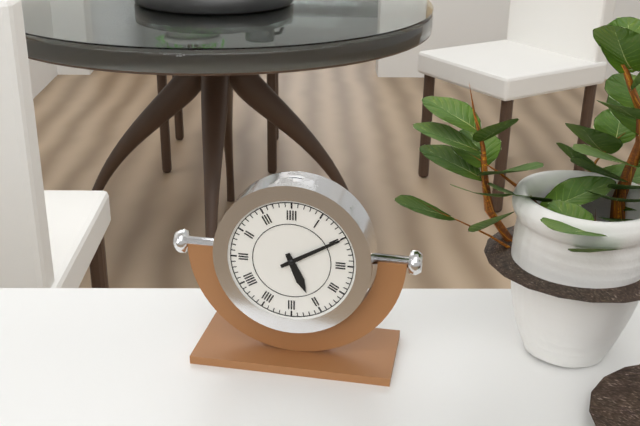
5:10
